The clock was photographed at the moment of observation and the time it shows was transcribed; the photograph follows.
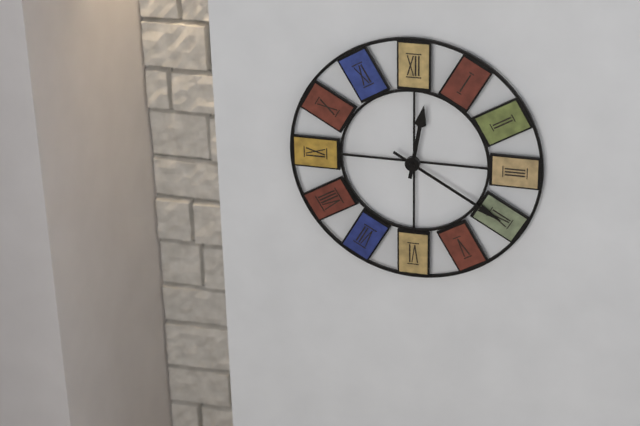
12:20
